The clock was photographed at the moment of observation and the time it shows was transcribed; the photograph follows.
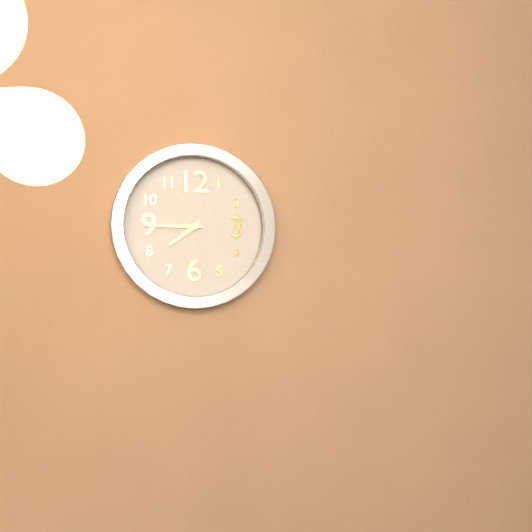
7:45
